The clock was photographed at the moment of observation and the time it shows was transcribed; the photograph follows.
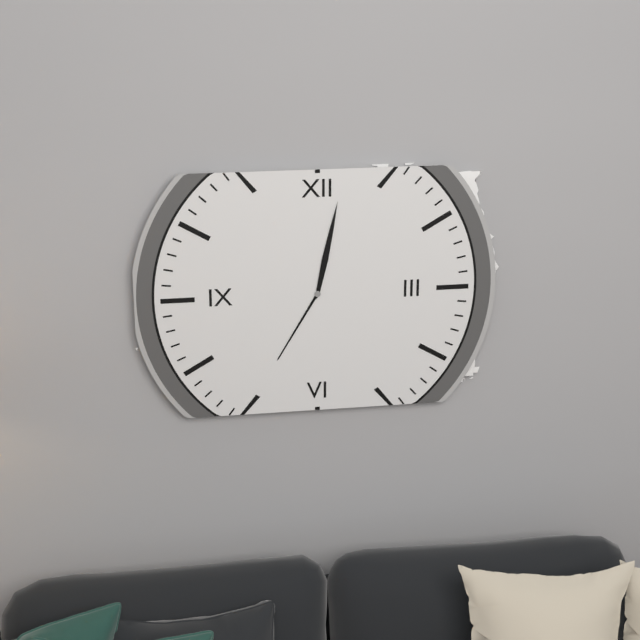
7:02
